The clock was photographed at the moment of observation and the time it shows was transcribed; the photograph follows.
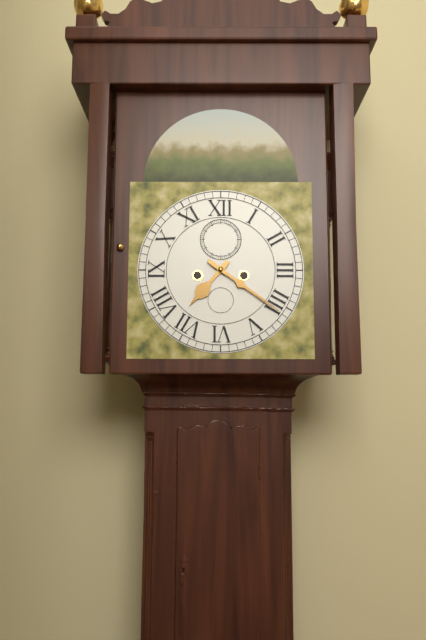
7:21
